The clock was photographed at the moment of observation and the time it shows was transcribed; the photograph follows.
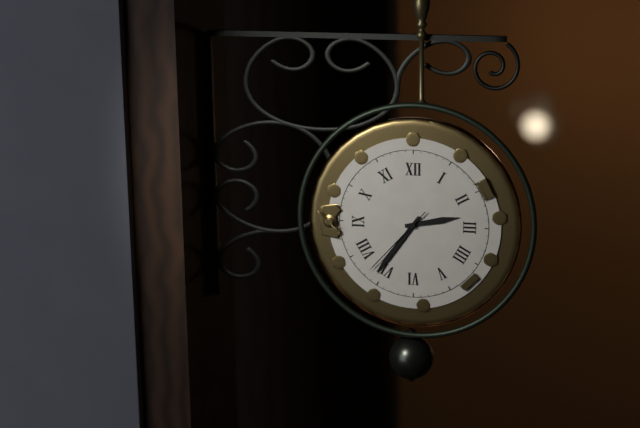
2:36:37
